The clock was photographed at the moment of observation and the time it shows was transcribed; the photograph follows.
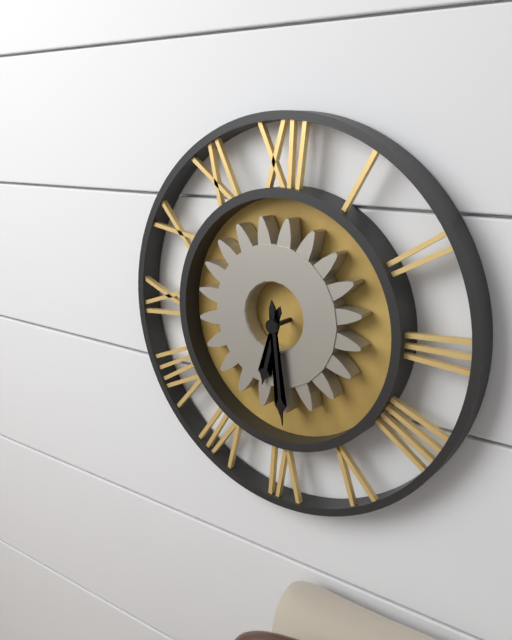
6:29
